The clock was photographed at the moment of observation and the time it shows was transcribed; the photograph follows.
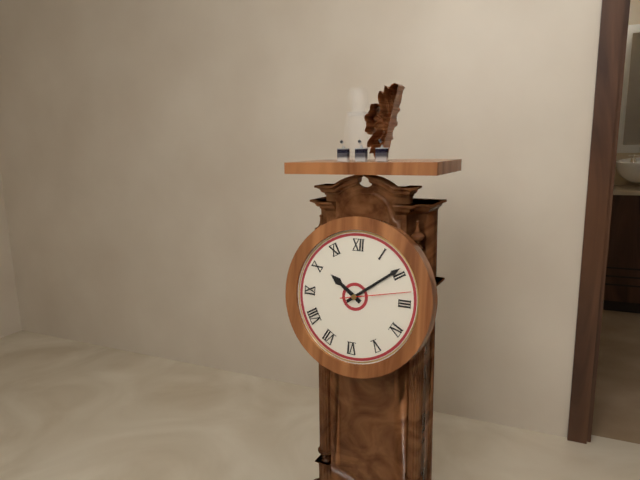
10:09:13
